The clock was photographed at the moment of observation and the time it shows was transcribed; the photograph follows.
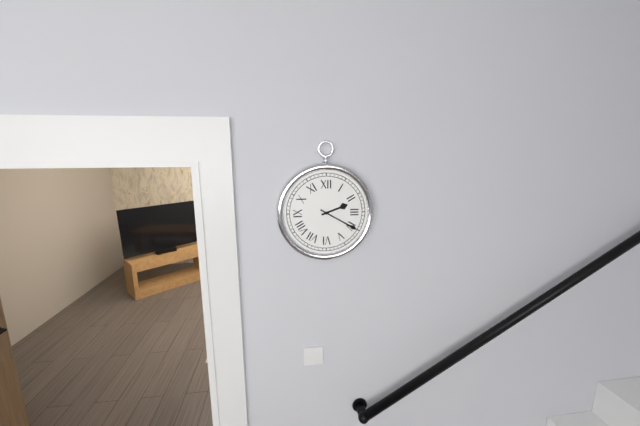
2:20
